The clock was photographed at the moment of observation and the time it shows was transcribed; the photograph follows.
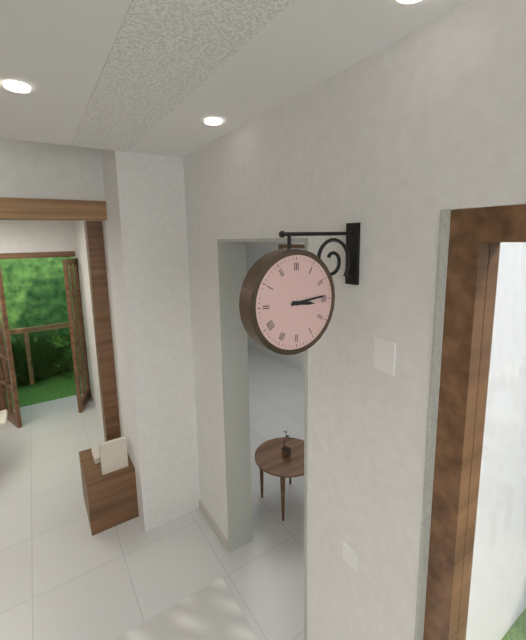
3:14
